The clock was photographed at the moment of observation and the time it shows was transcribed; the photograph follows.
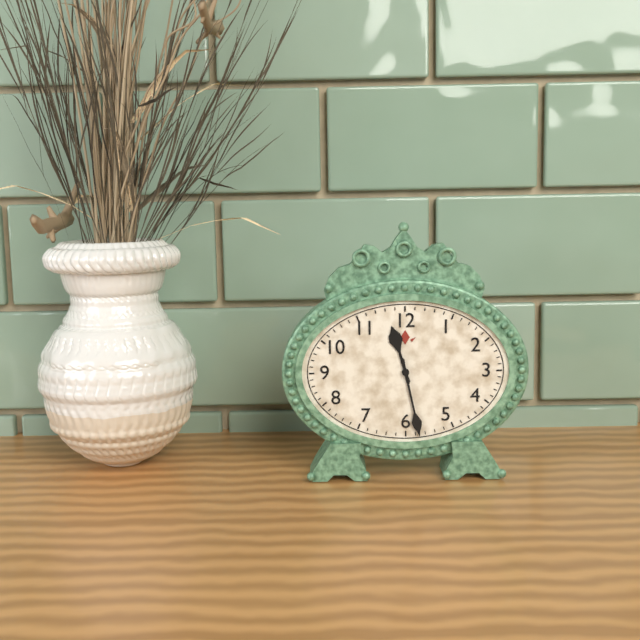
11:28
